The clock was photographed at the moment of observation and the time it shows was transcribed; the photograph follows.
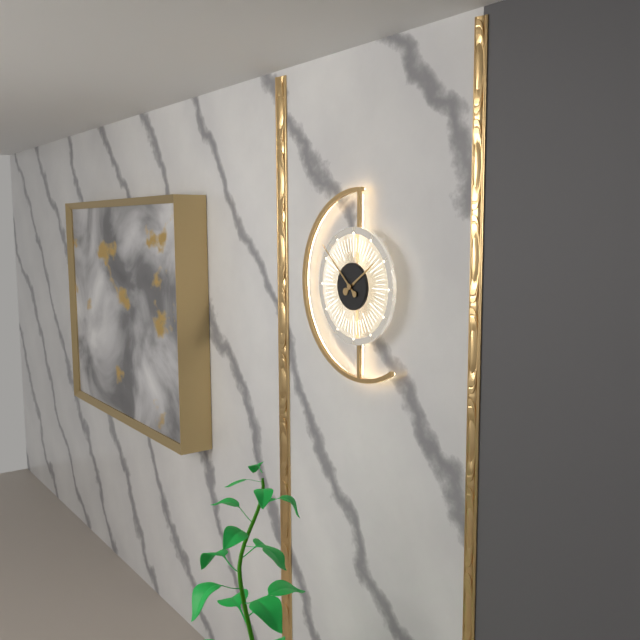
1:52
